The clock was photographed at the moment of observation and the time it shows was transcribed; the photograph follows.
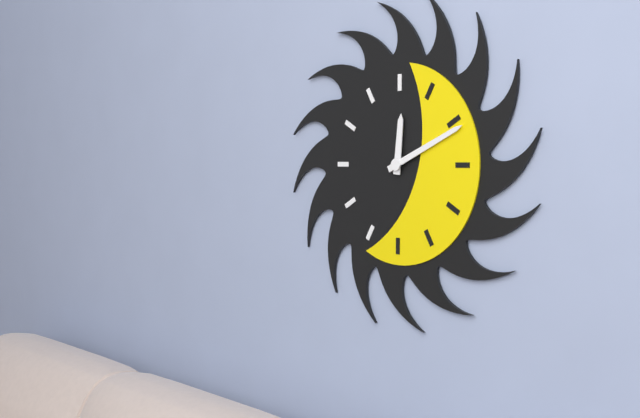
12:11
